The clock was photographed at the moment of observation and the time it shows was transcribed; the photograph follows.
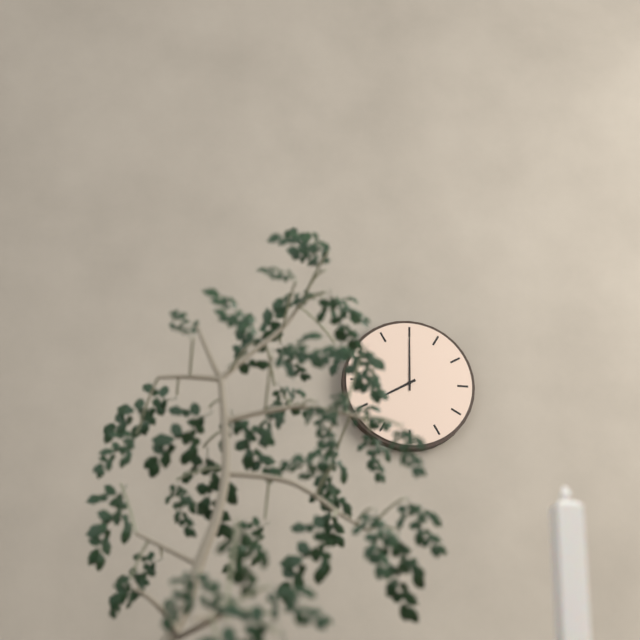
8:00
